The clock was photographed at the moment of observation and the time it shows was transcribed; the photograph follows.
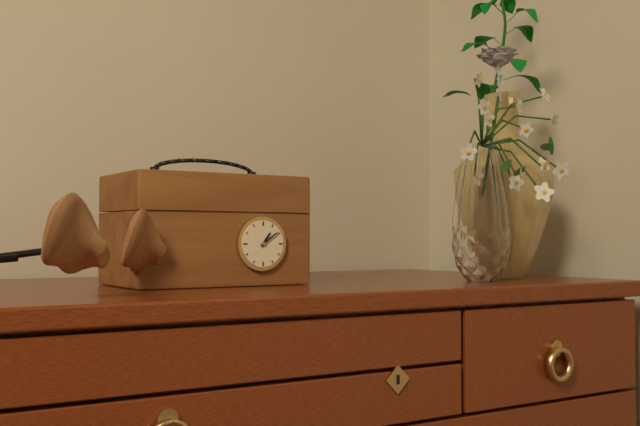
1:09
